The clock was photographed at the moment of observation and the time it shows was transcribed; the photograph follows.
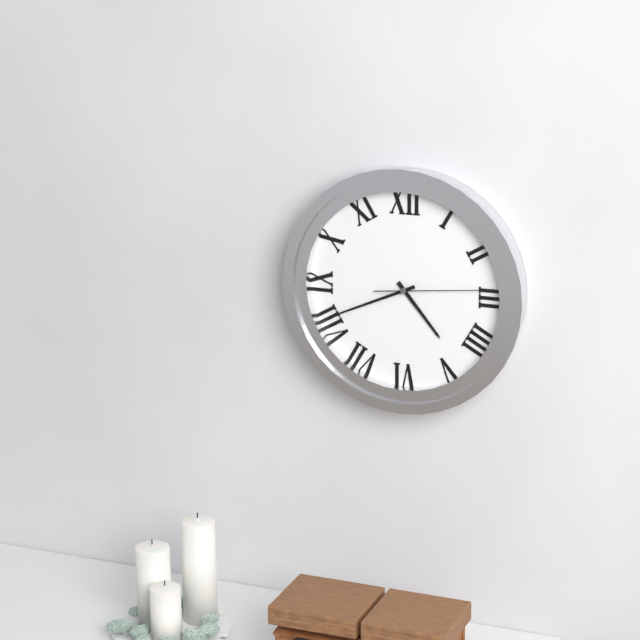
4:41:14
